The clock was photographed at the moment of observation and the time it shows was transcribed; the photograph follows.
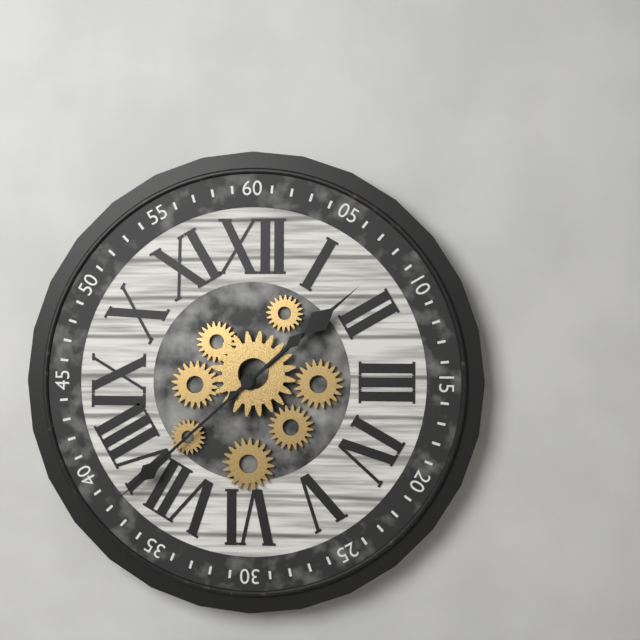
1:38
